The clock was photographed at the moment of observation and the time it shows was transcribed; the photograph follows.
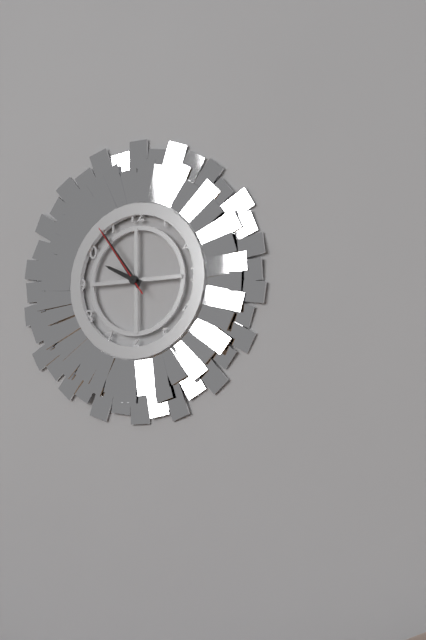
9:54:54
